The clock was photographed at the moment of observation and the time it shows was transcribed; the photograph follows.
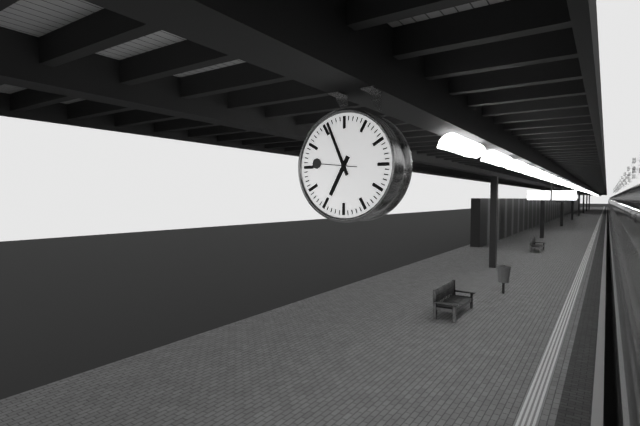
6:56:46
